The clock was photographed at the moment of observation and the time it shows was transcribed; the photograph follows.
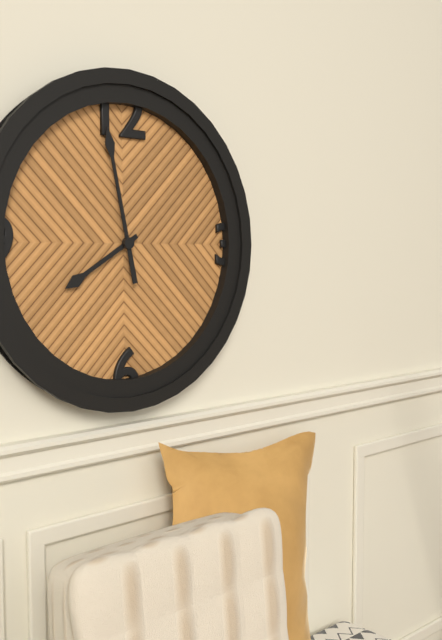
7:58
